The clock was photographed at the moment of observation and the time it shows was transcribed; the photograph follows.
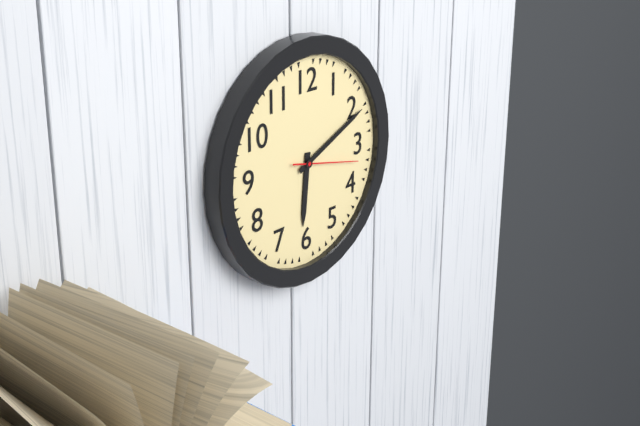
6:11:17
